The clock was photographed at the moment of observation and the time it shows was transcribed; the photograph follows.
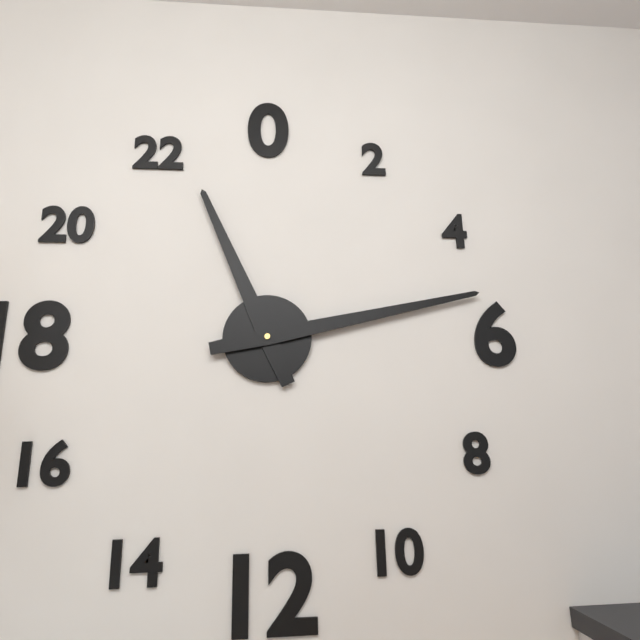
11:13
